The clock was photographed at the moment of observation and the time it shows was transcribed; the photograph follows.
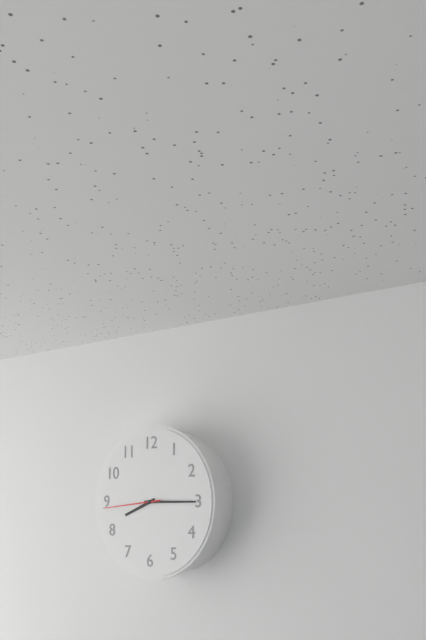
8:15:44
